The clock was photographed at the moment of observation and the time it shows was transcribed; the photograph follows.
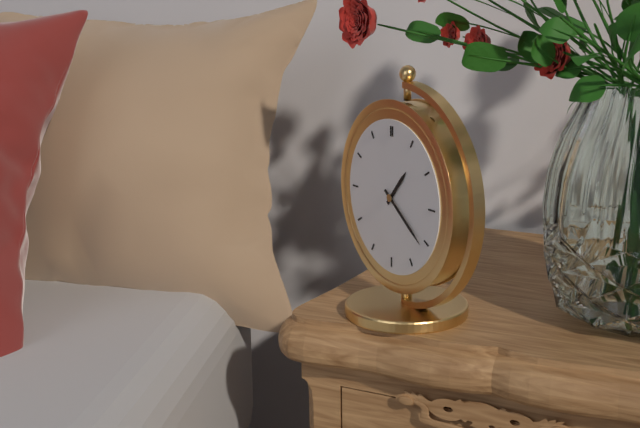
1:21
